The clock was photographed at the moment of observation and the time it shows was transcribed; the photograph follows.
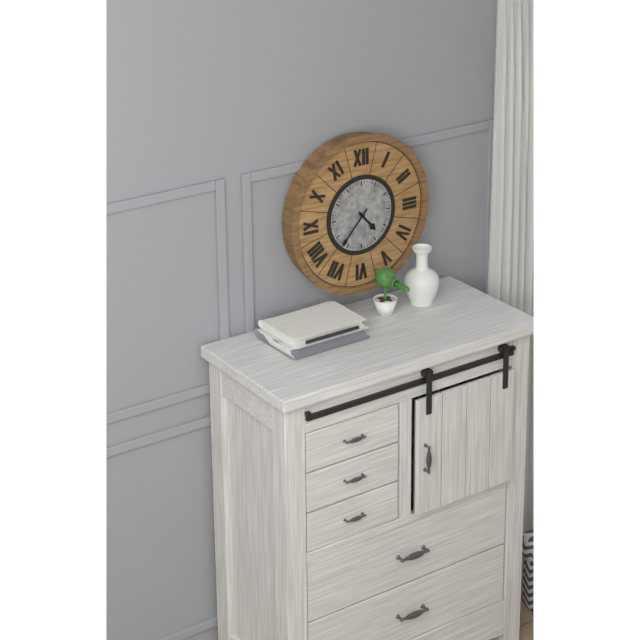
4:37
